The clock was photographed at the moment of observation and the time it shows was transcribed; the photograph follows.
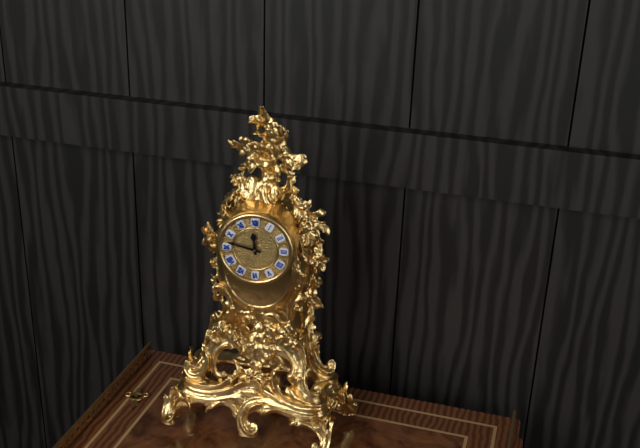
11:47
